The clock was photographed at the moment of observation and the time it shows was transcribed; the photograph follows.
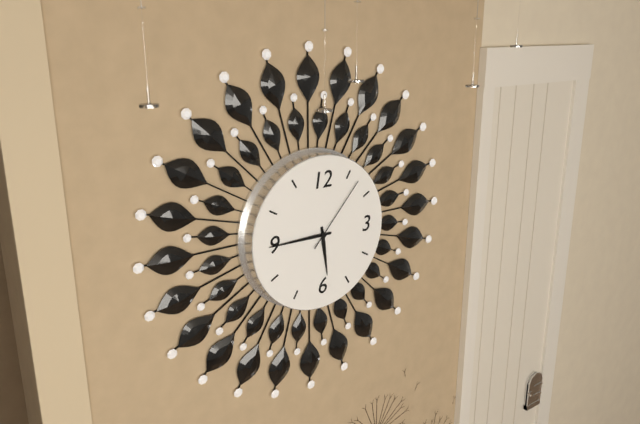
5:45:07
